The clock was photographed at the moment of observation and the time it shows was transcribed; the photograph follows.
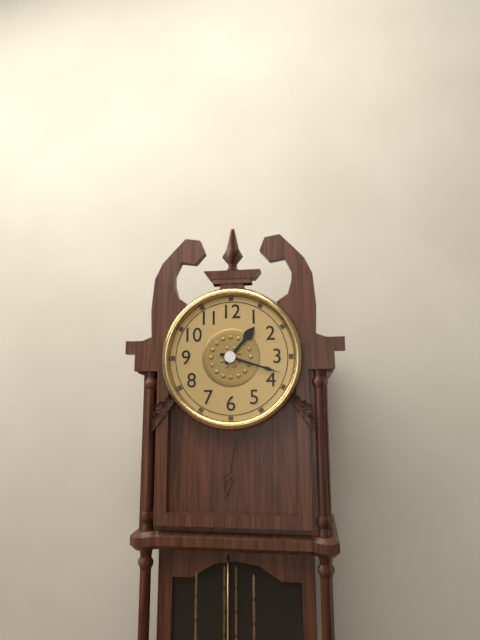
1:18
